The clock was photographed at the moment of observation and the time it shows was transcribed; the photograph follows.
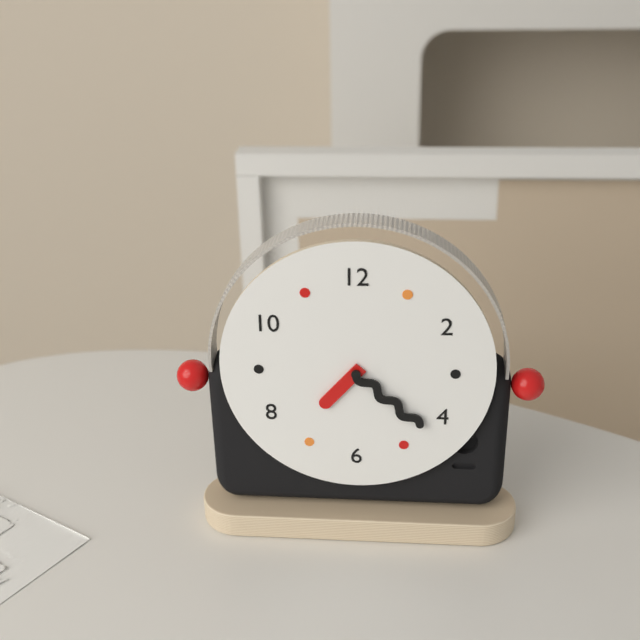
7:22
